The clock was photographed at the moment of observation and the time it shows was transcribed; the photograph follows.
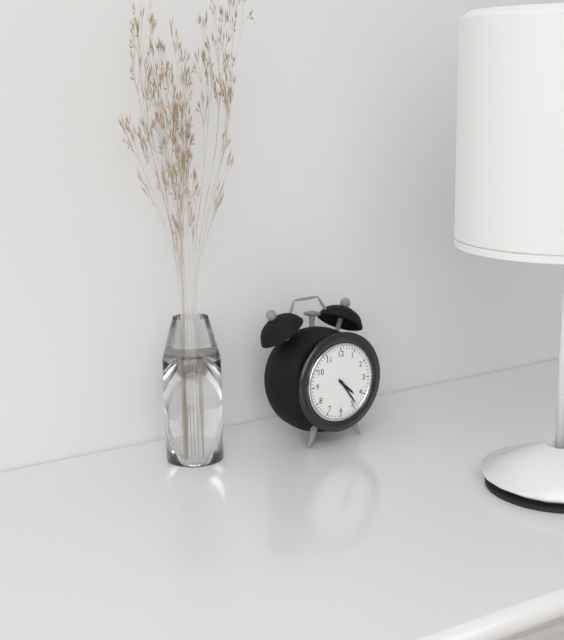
4:24
